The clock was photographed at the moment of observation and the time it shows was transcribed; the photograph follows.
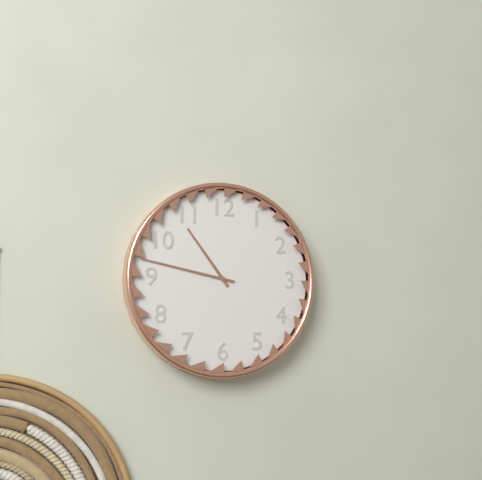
10:47
